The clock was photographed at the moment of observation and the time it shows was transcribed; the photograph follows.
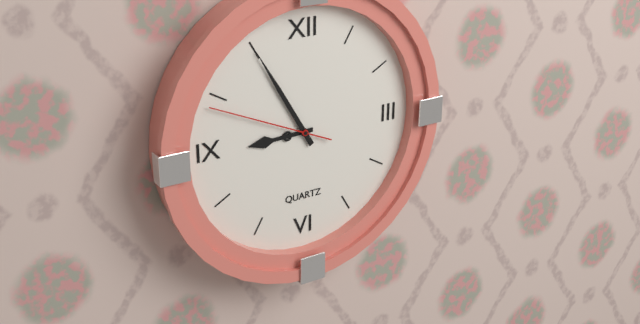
8:55:49
